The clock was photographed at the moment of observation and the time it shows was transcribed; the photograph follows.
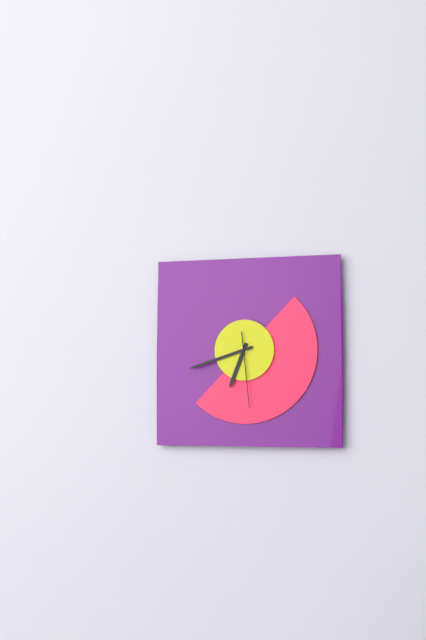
6:42:29
